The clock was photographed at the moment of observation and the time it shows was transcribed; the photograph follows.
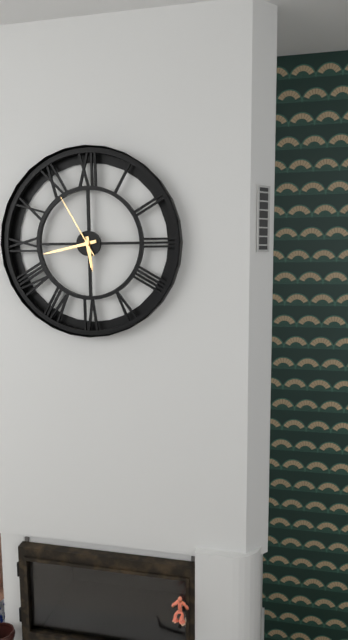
5:43:55
